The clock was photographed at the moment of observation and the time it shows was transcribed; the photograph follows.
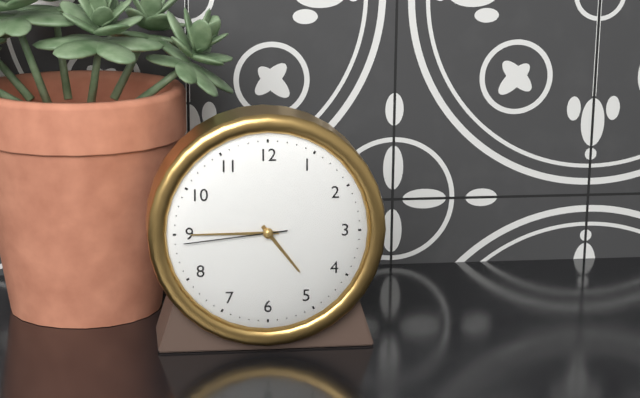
4:45:44
